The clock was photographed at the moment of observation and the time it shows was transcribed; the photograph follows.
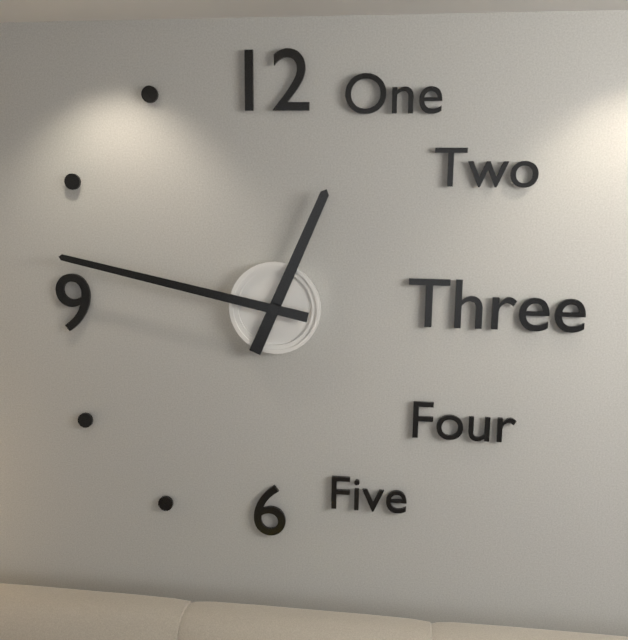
12:47
